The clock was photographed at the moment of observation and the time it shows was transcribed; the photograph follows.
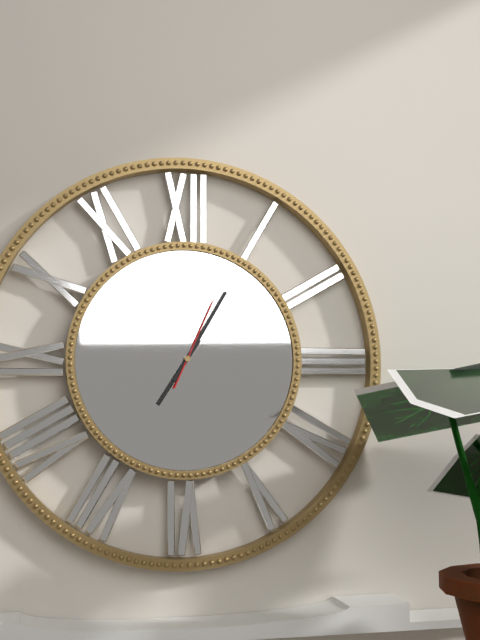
7:05:04
